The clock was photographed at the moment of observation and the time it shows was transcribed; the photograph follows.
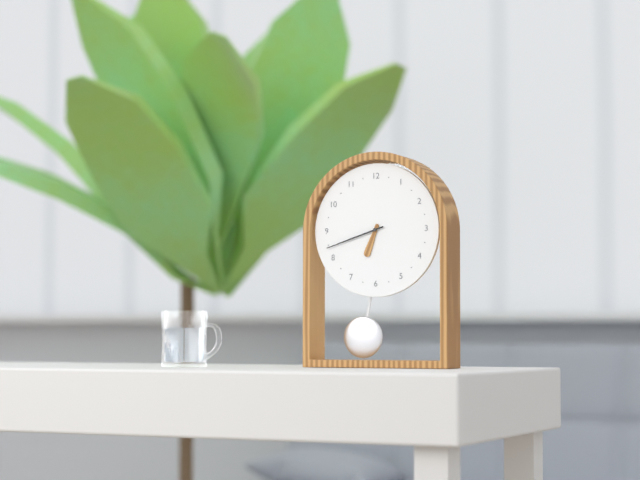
6:42
